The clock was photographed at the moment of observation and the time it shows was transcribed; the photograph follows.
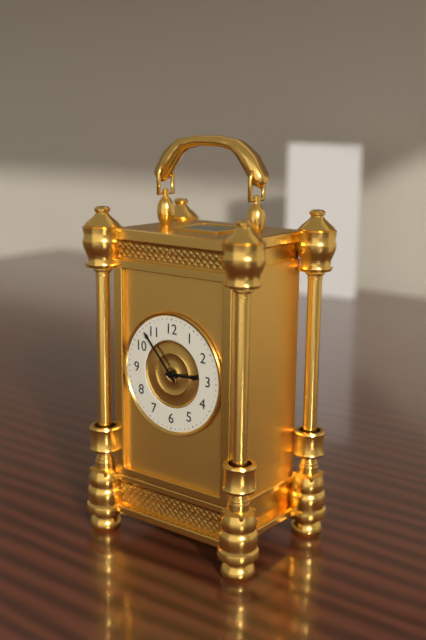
2:53
